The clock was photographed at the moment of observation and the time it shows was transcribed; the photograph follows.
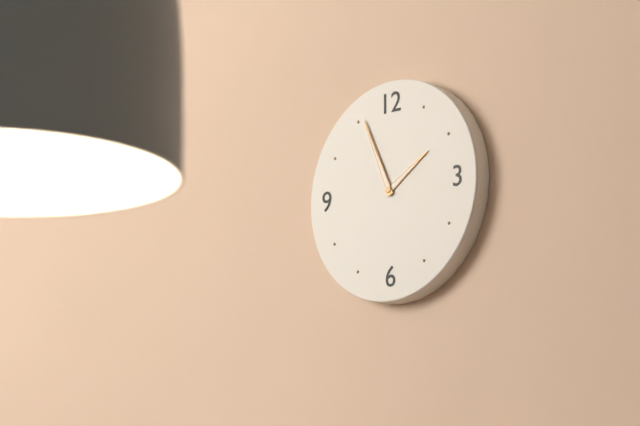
1:56
